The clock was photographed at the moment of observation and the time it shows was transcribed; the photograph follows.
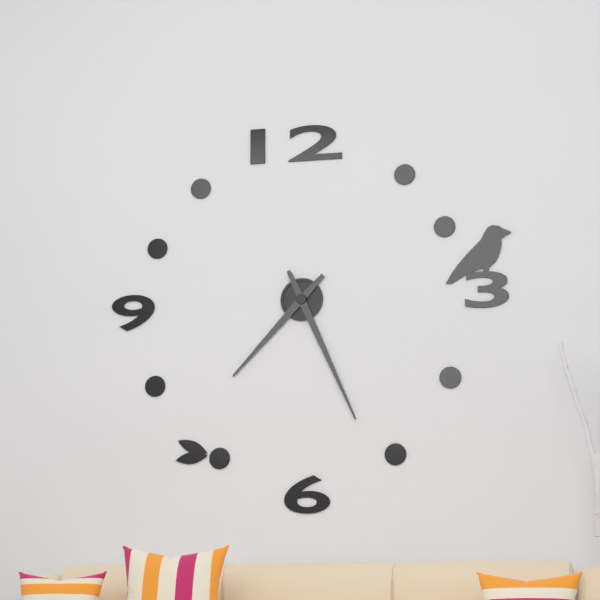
7:26
